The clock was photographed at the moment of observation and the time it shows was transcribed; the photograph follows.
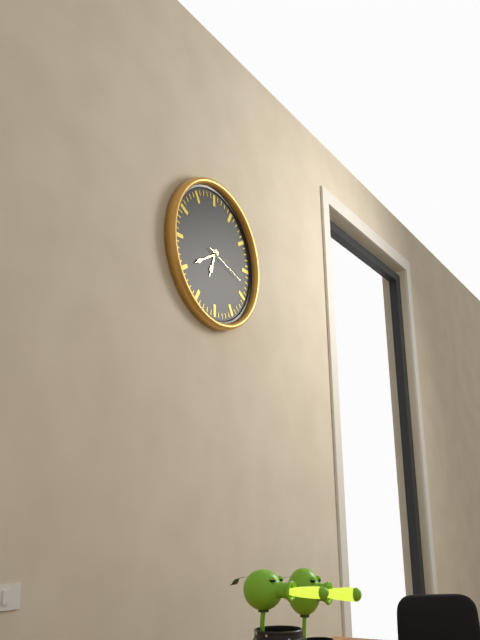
6:40
